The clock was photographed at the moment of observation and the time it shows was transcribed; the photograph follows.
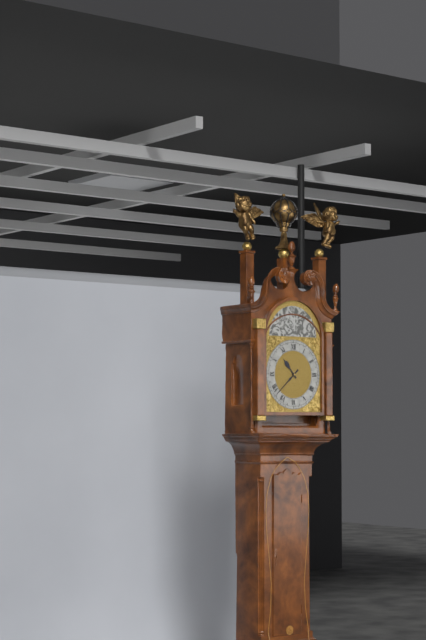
10:38
